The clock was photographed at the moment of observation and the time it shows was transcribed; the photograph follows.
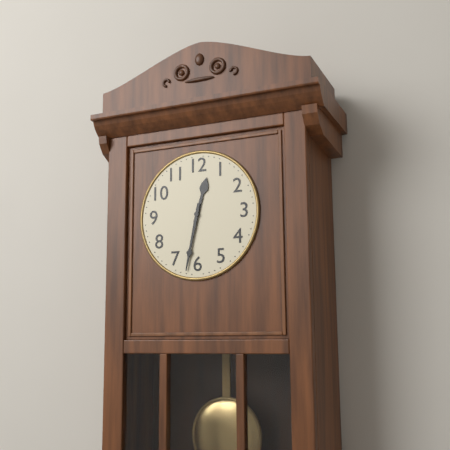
12:32
